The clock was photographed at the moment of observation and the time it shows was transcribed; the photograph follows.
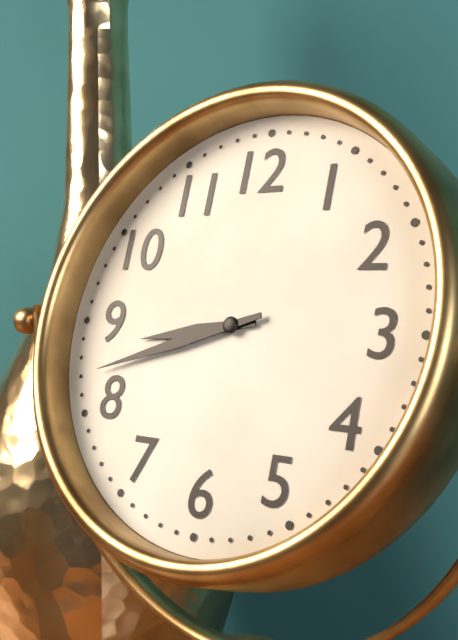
8:42
